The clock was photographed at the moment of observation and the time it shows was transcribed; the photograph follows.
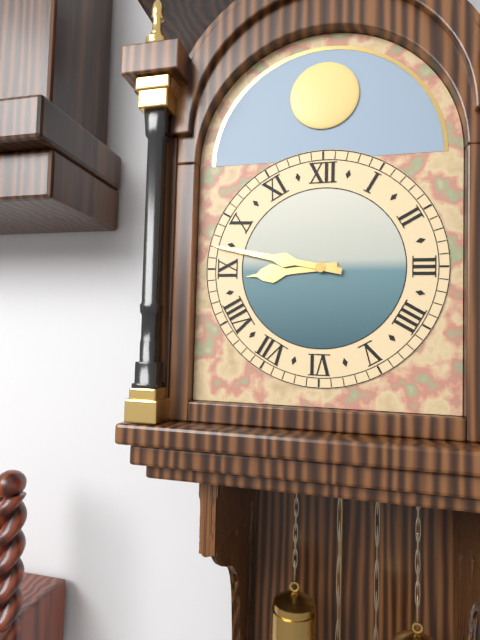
8:47
